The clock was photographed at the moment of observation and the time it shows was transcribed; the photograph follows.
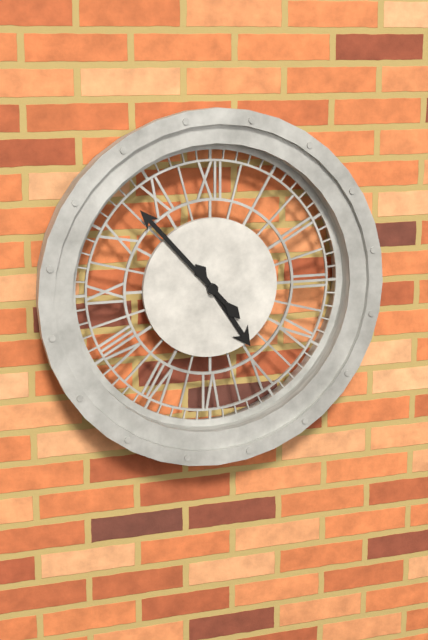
4:53
